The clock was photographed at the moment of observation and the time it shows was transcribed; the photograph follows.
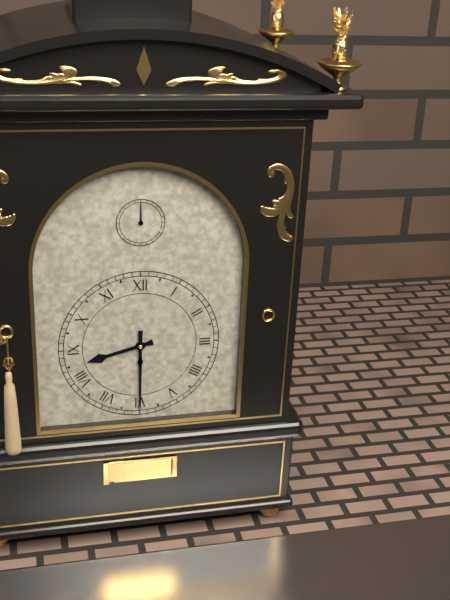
8:30
